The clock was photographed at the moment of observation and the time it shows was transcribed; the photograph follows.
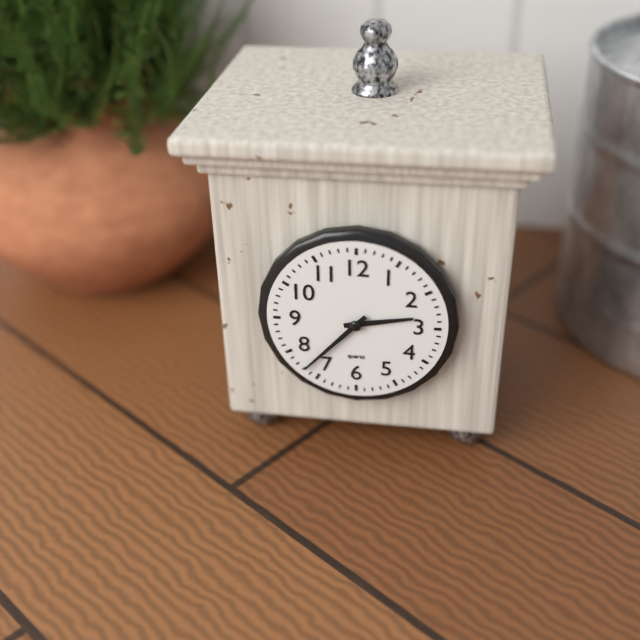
2:37
